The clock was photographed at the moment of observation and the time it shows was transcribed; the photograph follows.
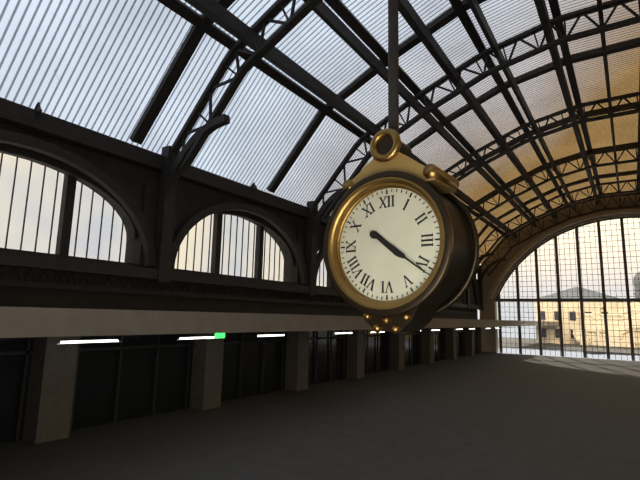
4:21
